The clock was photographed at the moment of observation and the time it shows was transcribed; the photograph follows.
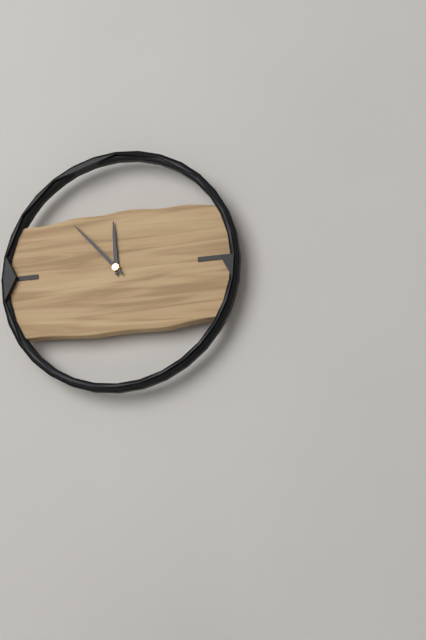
11:53
